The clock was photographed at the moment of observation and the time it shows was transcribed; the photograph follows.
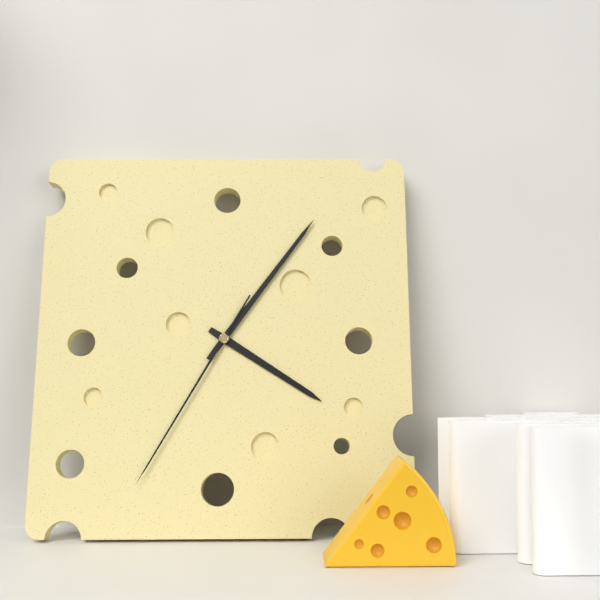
4:06:35
